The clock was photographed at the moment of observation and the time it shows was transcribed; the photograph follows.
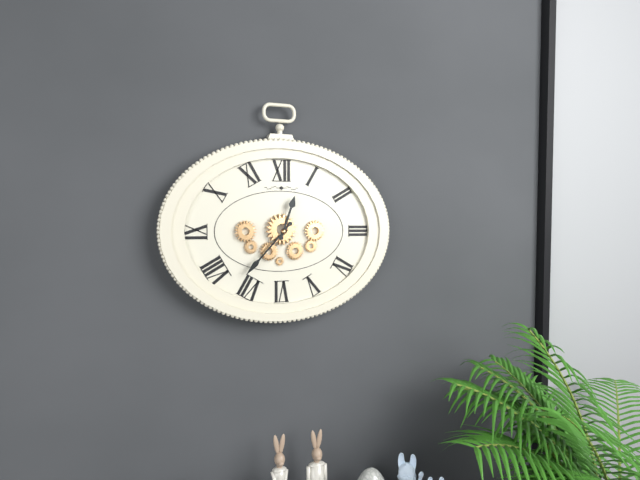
12:37
